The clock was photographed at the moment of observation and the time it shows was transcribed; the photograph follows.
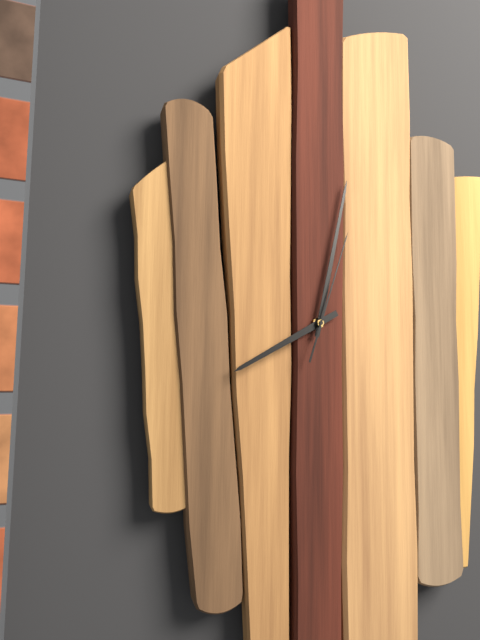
8:02:03
